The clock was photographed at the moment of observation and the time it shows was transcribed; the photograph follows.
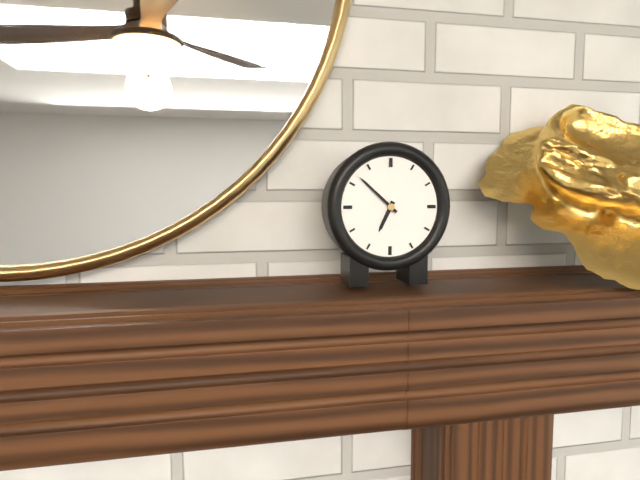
6:52
